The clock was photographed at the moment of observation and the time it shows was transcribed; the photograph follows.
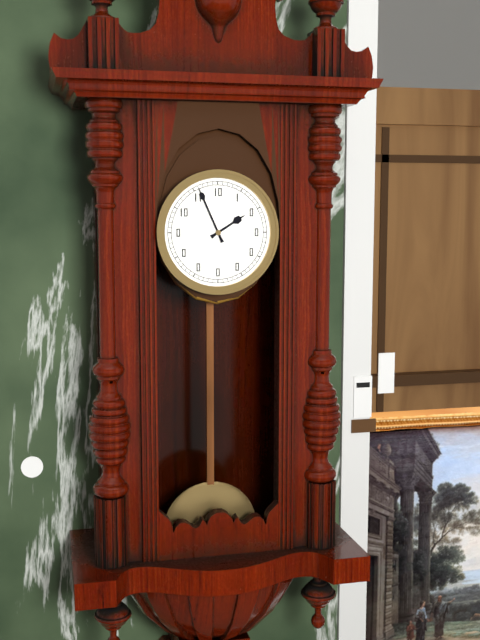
1:56
